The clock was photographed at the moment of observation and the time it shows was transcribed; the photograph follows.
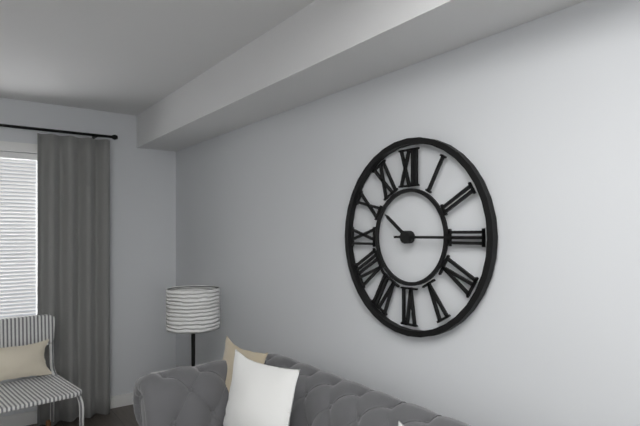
10:15
